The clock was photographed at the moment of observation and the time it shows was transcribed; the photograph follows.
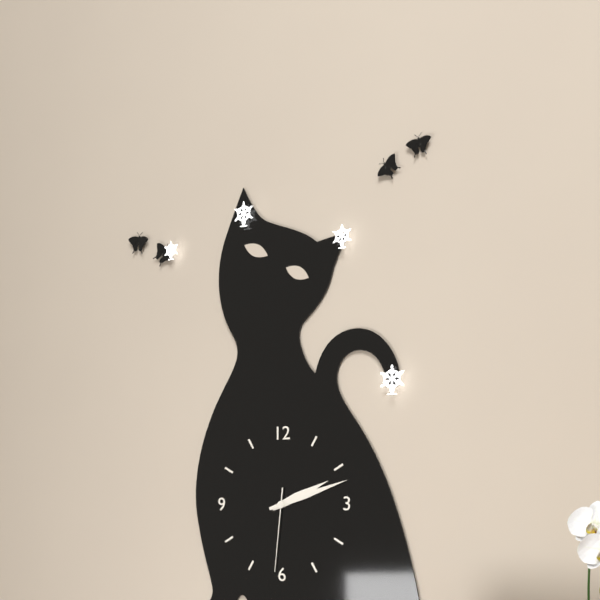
2:12:31
